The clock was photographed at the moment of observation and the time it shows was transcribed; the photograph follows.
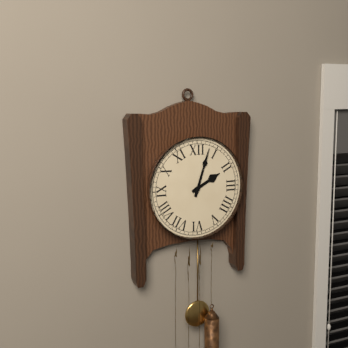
2:03
